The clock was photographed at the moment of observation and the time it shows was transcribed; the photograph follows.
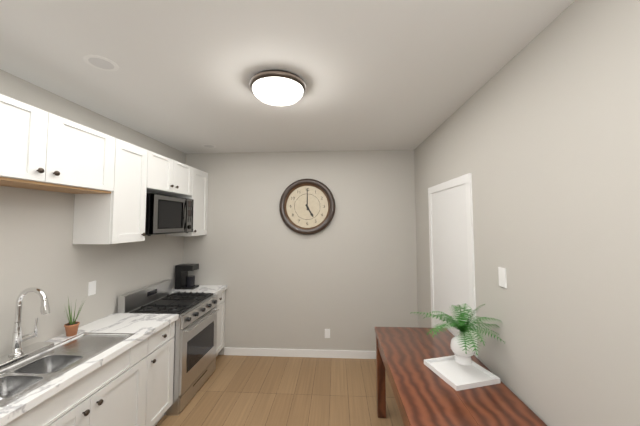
5:00
